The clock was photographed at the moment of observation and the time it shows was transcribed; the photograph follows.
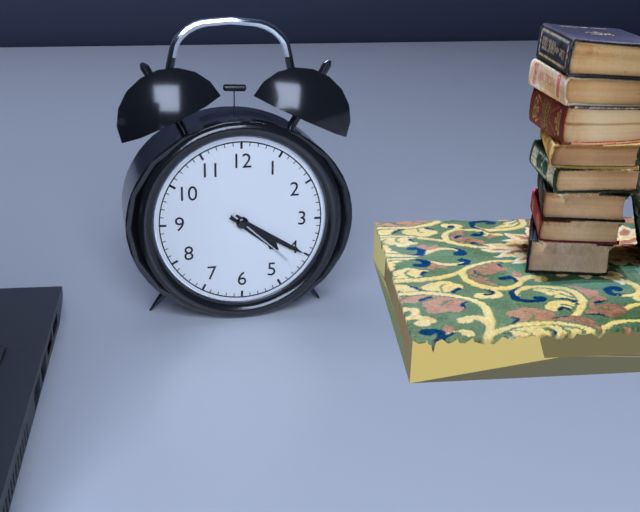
4:20:22
